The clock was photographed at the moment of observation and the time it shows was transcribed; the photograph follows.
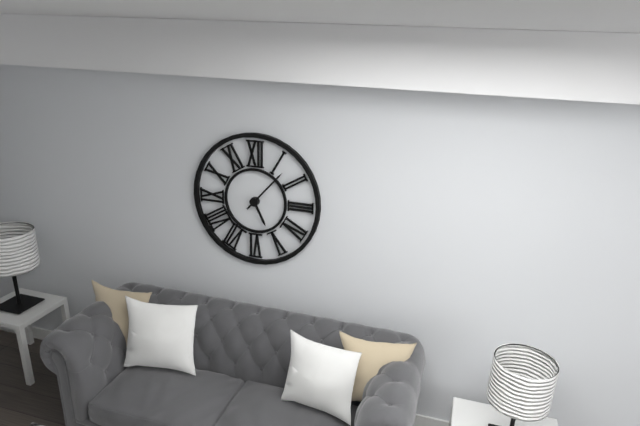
5:07
